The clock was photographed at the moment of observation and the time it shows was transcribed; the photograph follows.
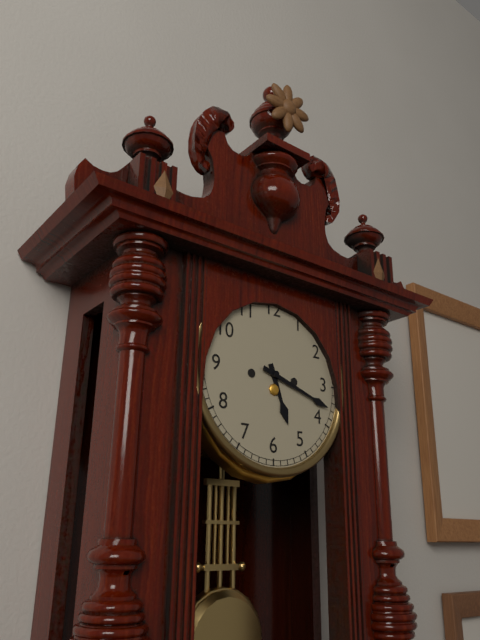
5:18
